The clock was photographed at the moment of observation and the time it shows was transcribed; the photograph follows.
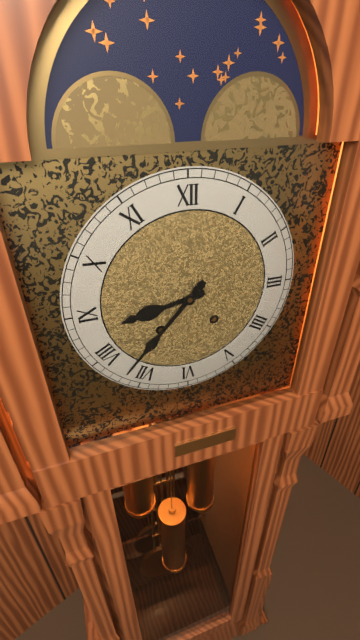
8:37
